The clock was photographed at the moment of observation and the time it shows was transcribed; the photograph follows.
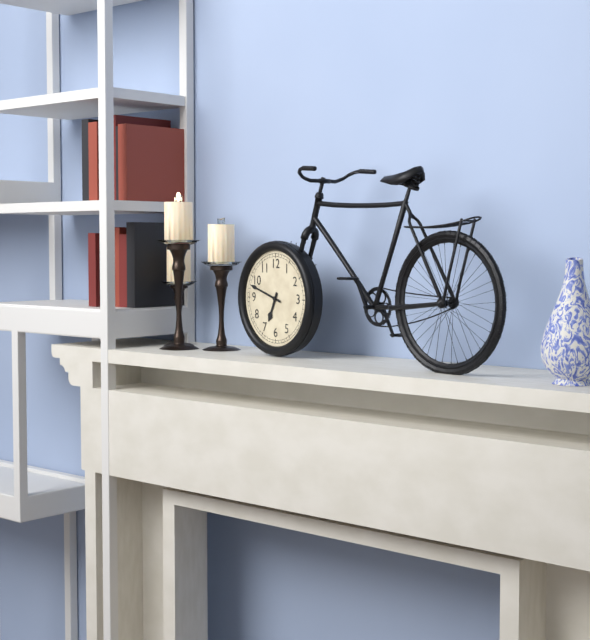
6:48
